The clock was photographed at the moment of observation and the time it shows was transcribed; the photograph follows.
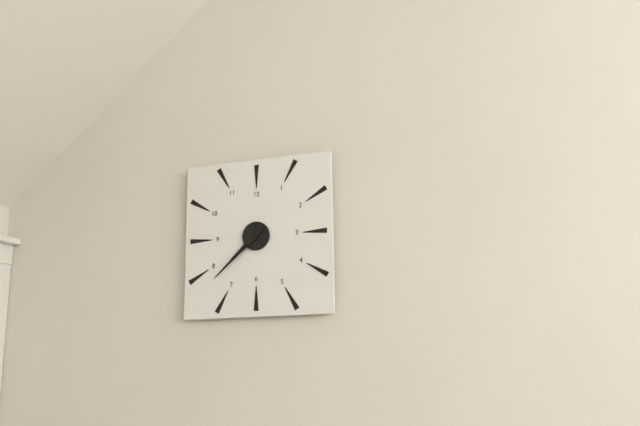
7:38
